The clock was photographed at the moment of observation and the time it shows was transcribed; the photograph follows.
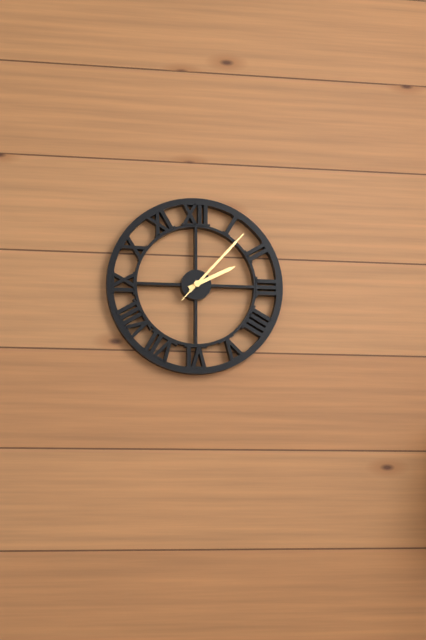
2:07:07
